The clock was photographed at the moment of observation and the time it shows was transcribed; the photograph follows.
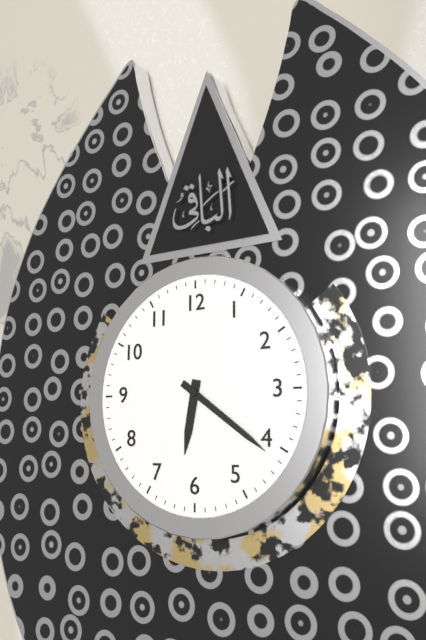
6:21
